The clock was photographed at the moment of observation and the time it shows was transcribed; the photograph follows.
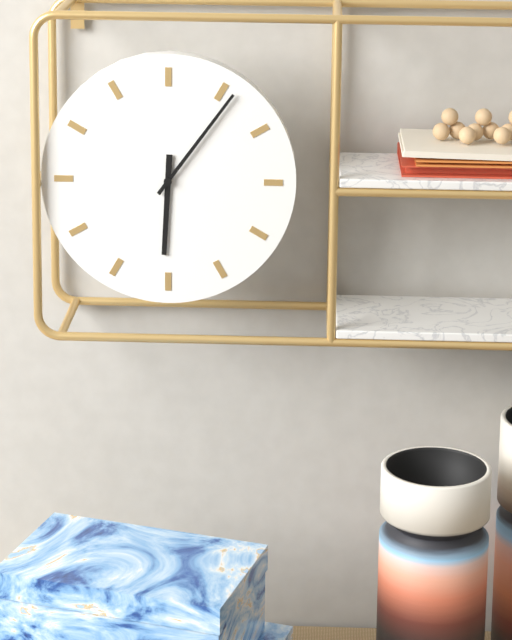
6:06
